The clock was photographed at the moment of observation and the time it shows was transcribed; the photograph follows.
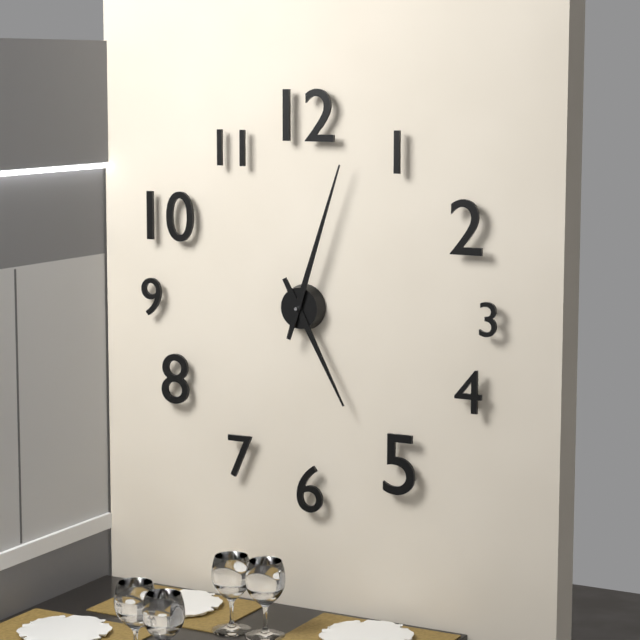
5:03
